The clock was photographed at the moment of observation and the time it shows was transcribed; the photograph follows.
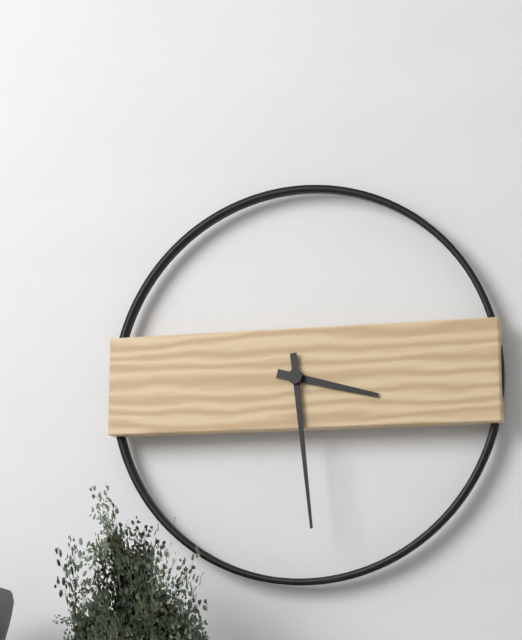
3:29
